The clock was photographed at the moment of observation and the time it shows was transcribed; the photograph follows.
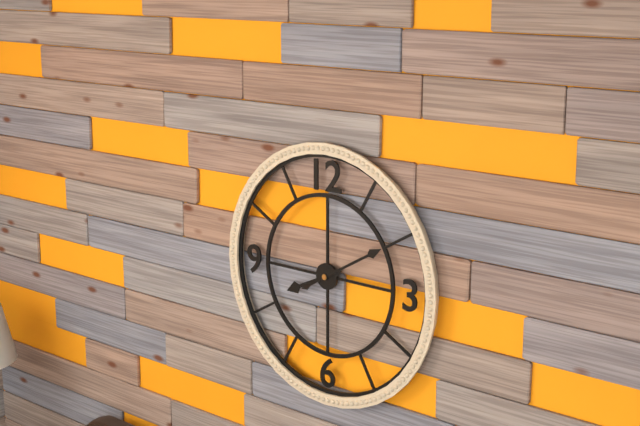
8:10
